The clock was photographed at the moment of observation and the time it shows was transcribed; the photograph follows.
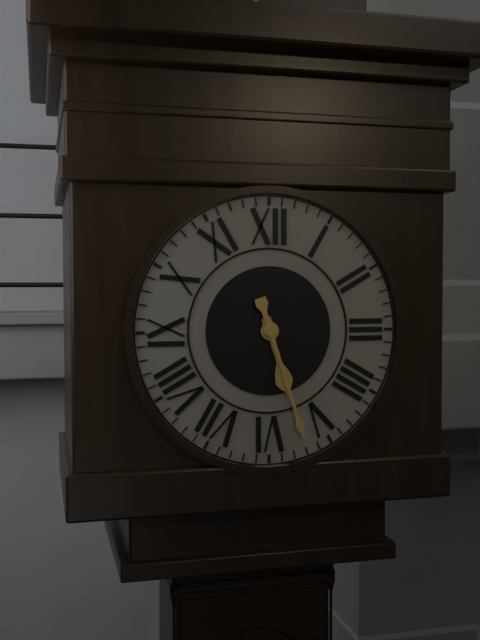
5:27
